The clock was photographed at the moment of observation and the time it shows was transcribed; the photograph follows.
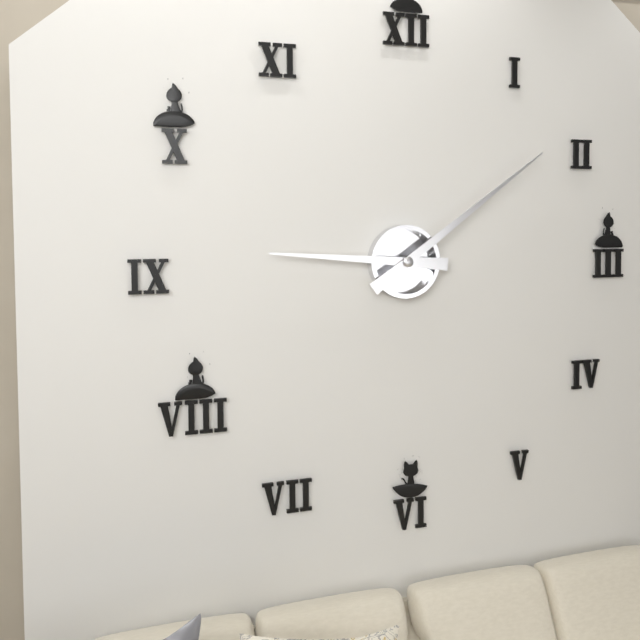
9:09
